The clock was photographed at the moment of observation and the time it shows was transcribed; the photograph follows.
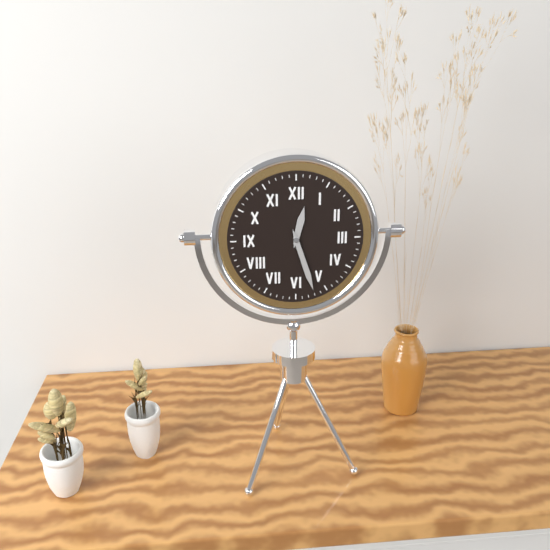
12:27
